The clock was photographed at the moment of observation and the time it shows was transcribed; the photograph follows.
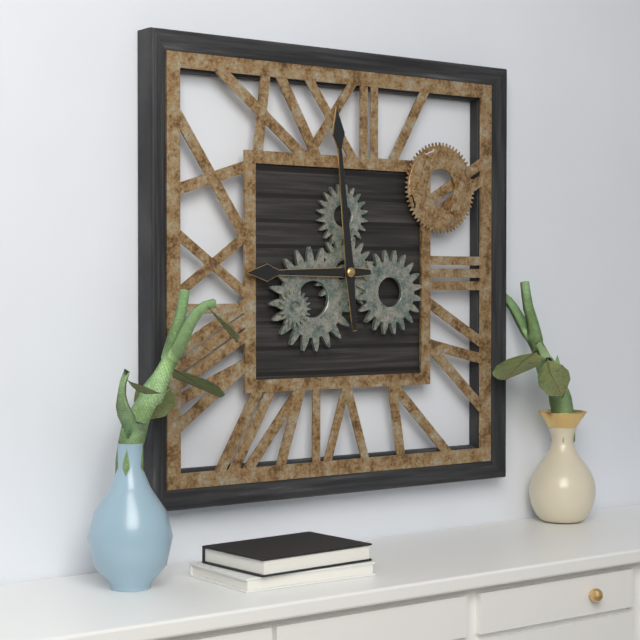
8:59
